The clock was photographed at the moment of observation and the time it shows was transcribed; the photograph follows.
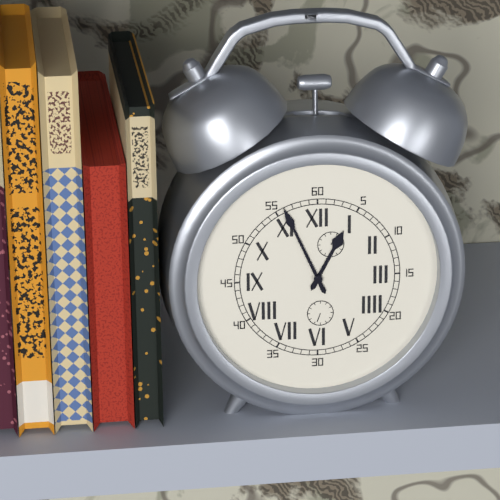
12:56
